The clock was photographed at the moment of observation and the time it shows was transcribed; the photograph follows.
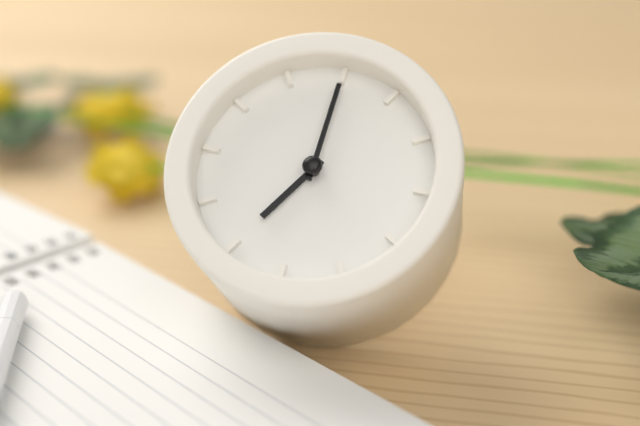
7:00
